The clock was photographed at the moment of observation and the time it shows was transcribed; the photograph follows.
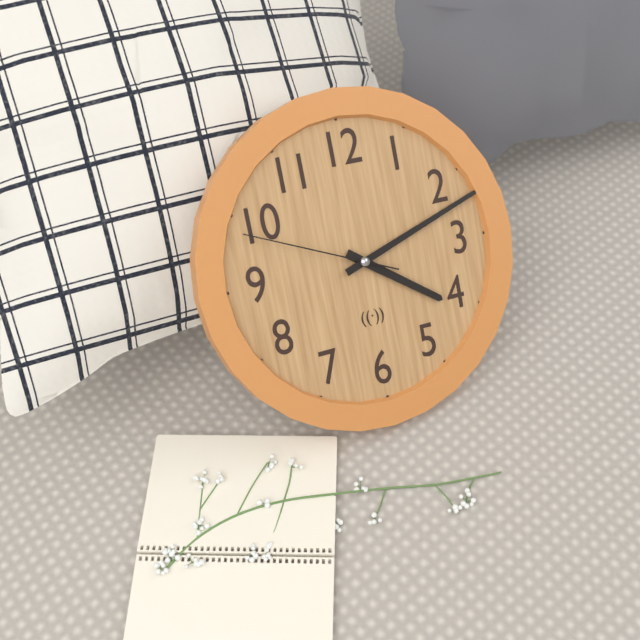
4:12:49
